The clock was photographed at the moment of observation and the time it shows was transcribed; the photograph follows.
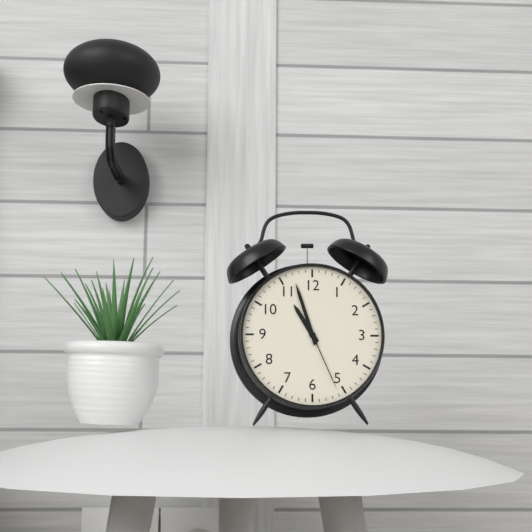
10:57:26
